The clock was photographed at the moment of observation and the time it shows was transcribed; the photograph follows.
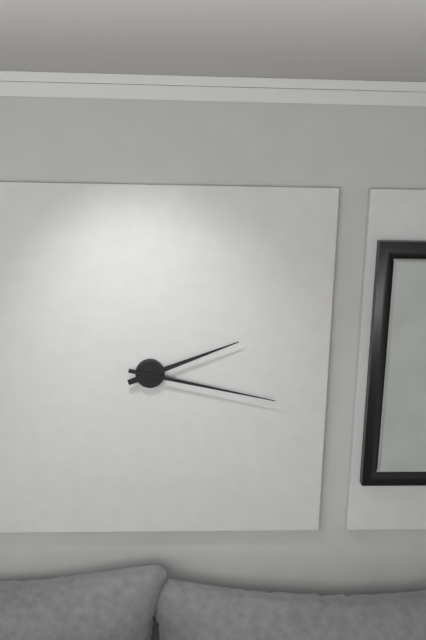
2:17
